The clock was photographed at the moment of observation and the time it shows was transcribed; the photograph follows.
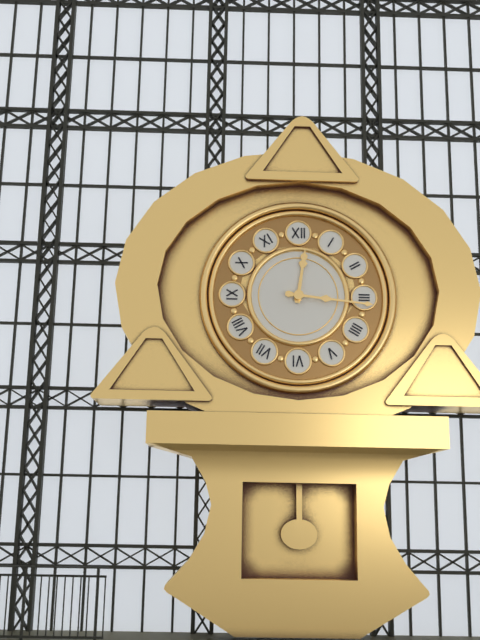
12:16
